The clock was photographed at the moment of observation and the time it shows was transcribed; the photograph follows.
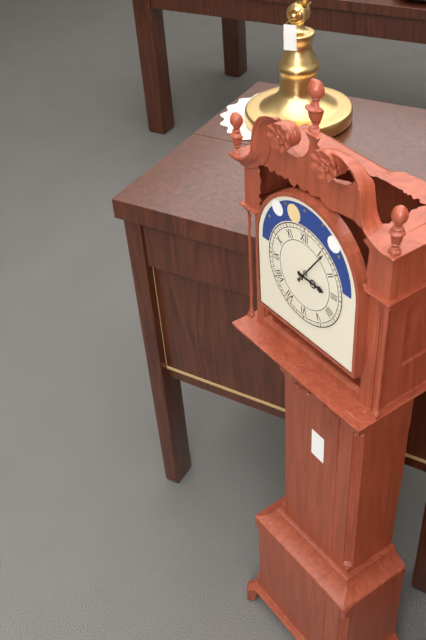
3:06
